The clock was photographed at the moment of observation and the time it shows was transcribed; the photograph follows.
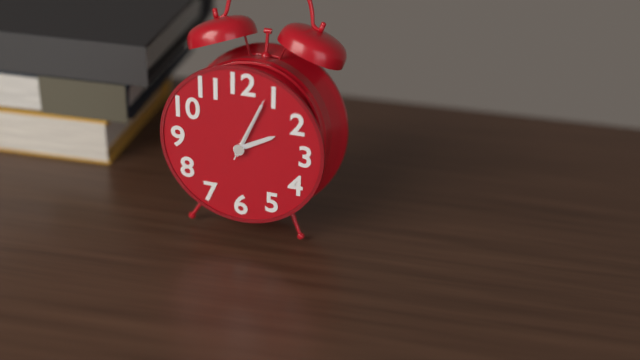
2:04:04
